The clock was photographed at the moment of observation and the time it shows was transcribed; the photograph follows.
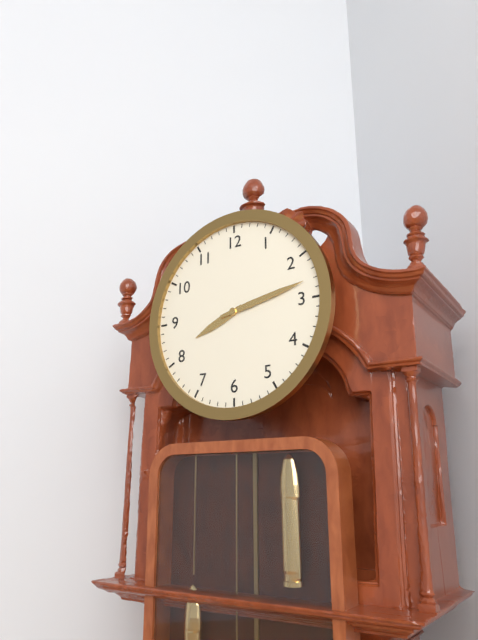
8:13
